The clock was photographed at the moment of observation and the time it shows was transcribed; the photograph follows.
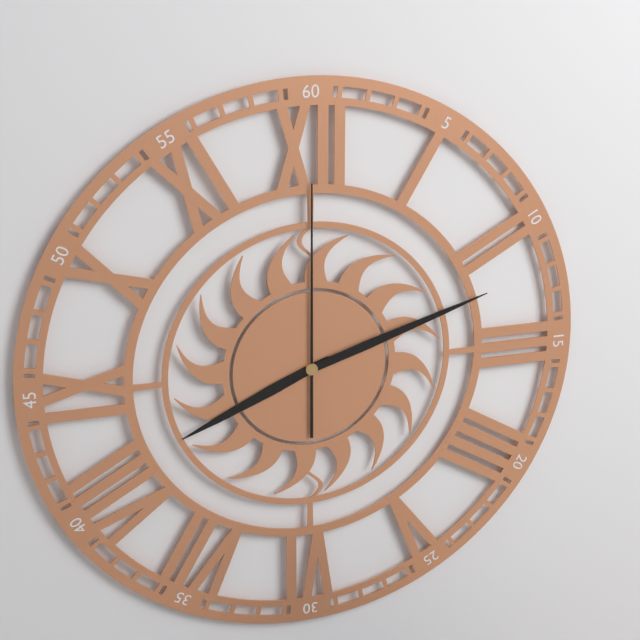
8:12:00
